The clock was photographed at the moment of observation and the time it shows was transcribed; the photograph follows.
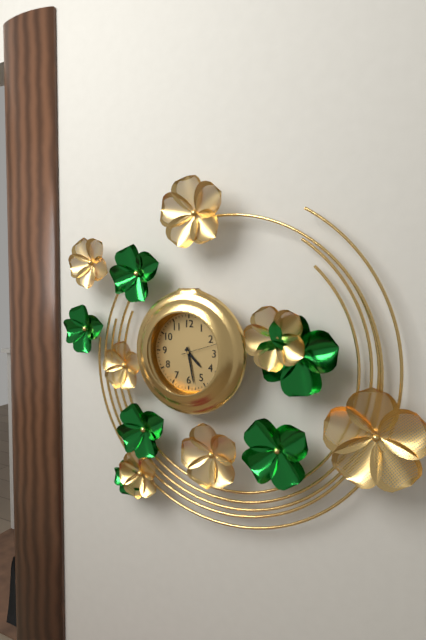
4:28
